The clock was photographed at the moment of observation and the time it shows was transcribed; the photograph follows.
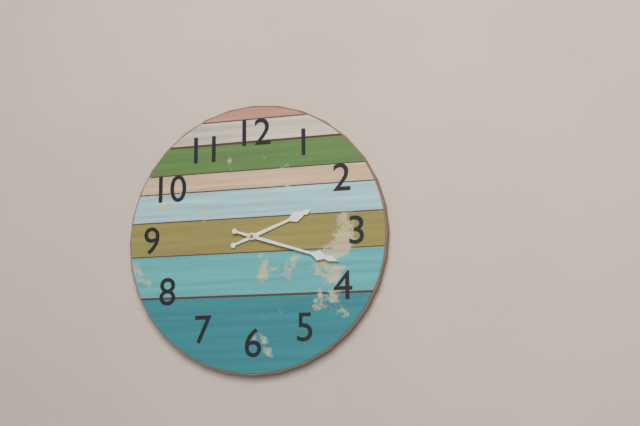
2:18
